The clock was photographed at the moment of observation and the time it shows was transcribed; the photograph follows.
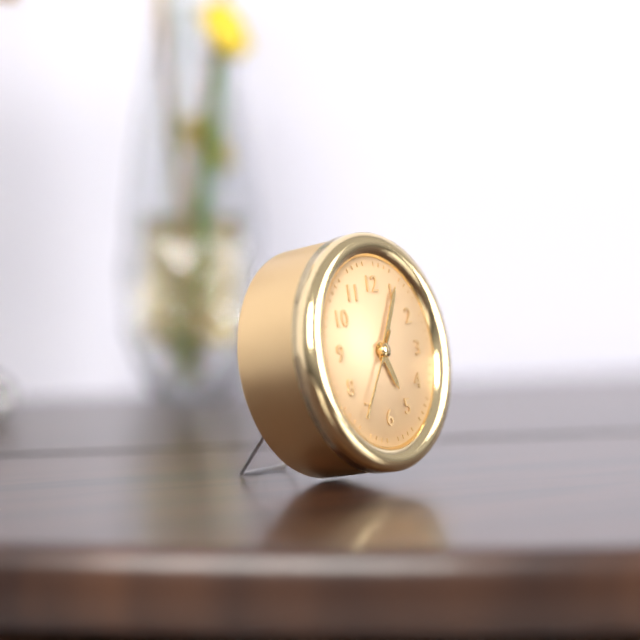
5:05:36
